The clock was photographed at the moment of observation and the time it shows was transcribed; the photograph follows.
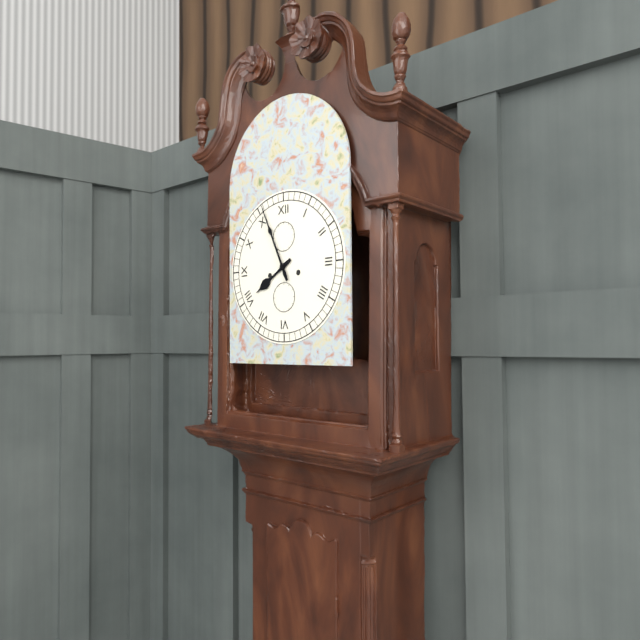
7:56
